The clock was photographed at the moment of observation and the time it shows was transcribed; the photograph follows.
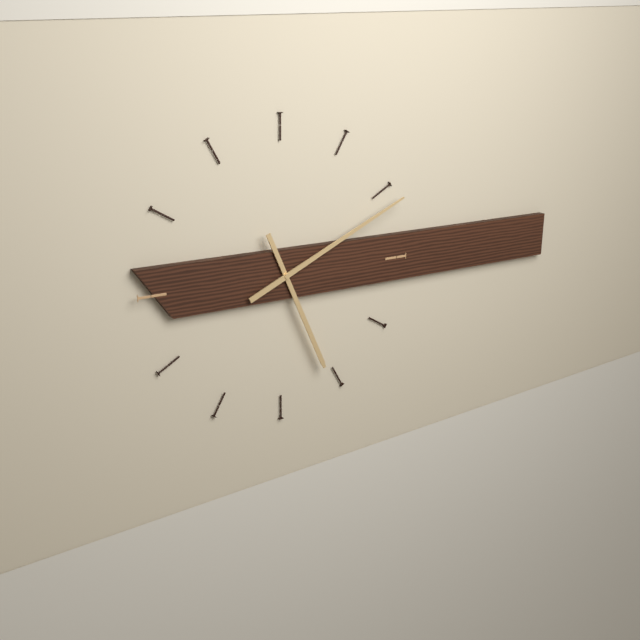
5:11
